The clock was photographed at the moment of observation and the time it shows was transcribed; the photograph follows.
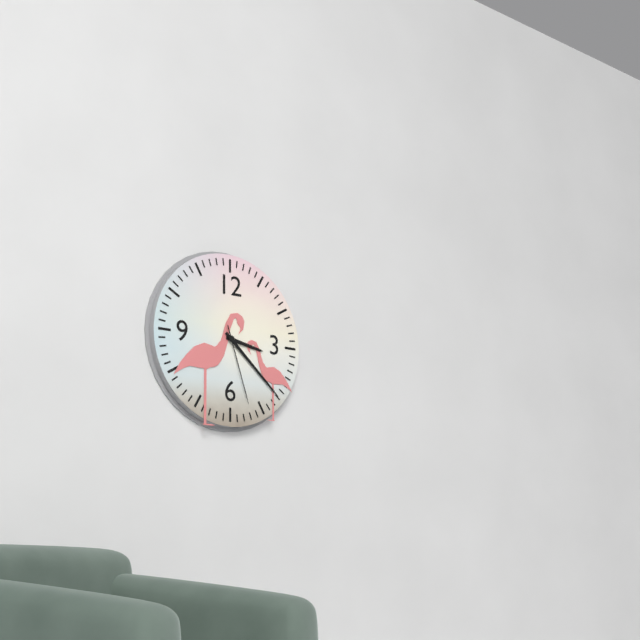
3:22:27
